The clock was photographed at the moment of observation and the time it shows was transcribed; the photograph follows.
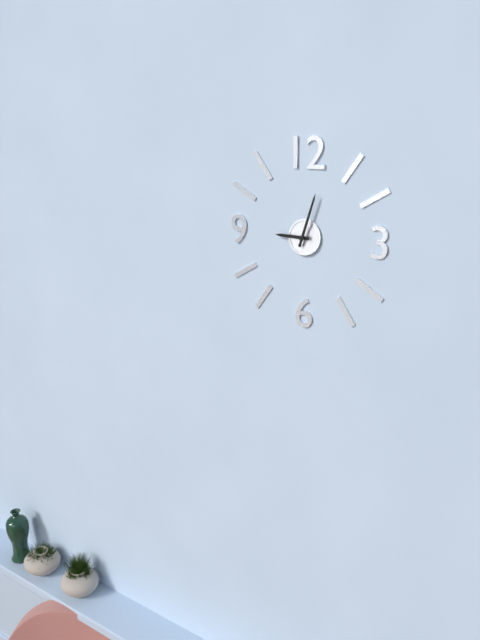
9:03
